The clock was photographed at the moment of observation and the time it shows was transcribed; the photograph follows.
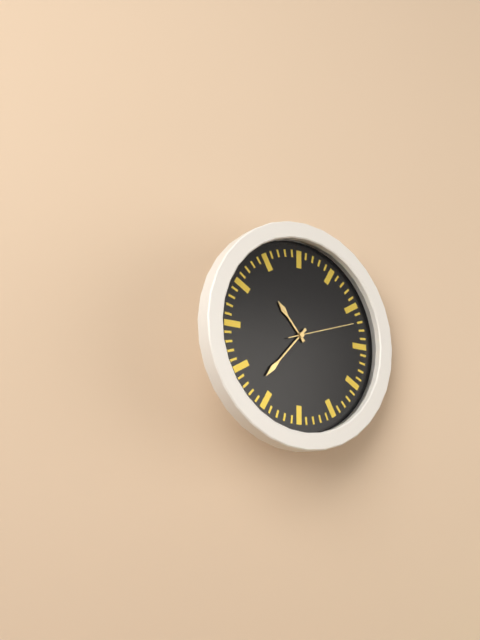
10:37:12
